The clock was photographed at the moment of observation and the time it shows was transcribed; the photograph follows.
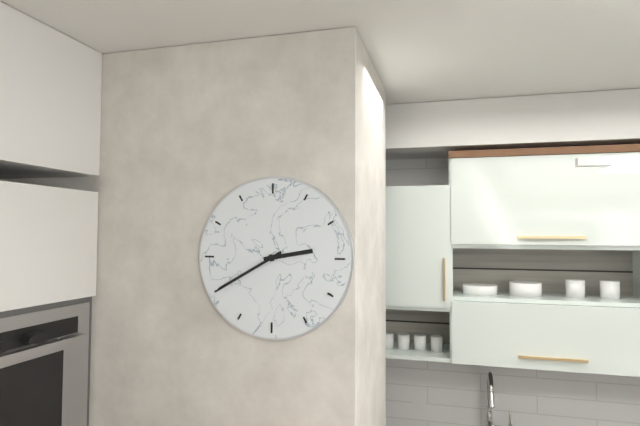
2:40
